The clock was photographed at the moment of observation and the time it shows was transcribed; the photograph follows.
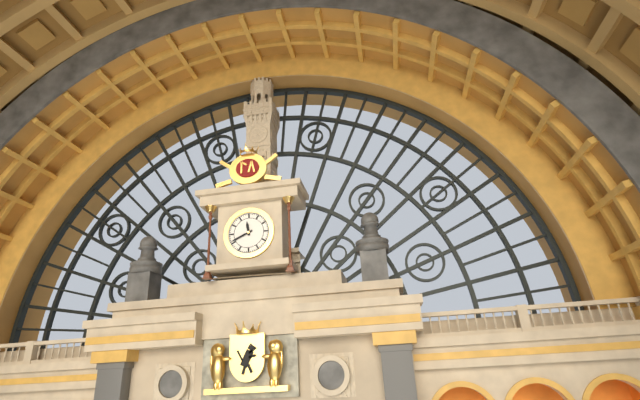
11:41
